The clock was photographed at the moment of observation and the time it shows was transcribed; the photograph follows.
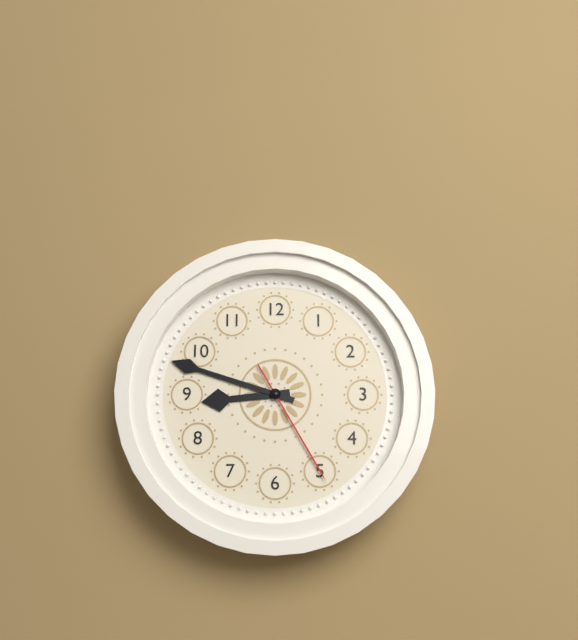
8:48:25
